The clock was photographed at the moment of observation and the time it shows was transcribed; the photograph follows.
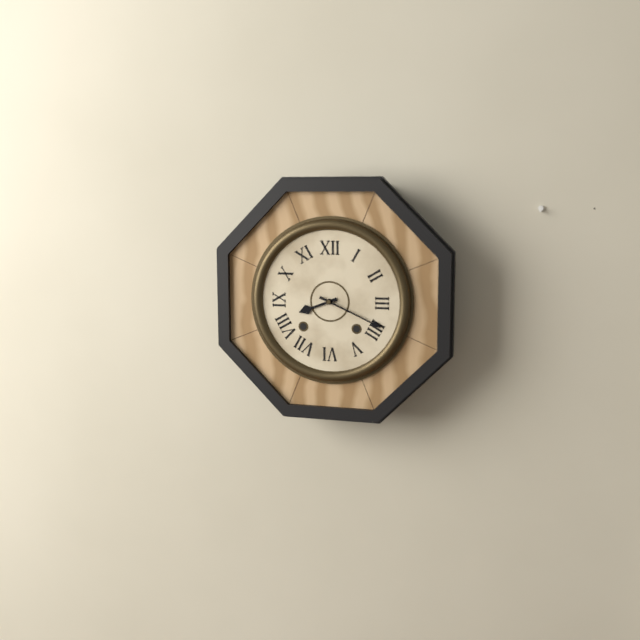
8:19
